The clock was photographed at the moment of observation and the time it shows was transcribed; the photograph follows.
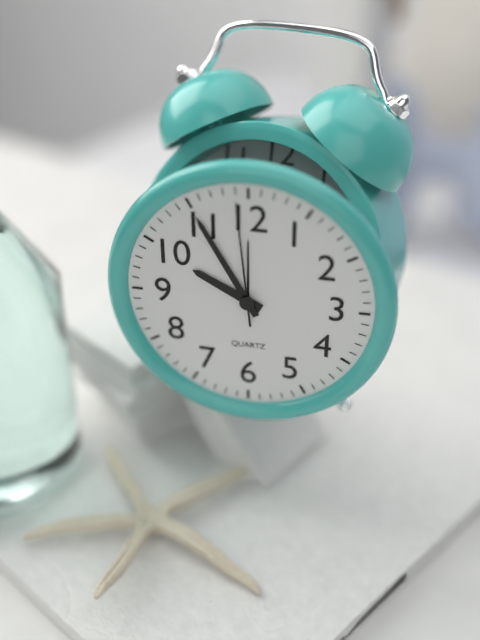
9:55:59
